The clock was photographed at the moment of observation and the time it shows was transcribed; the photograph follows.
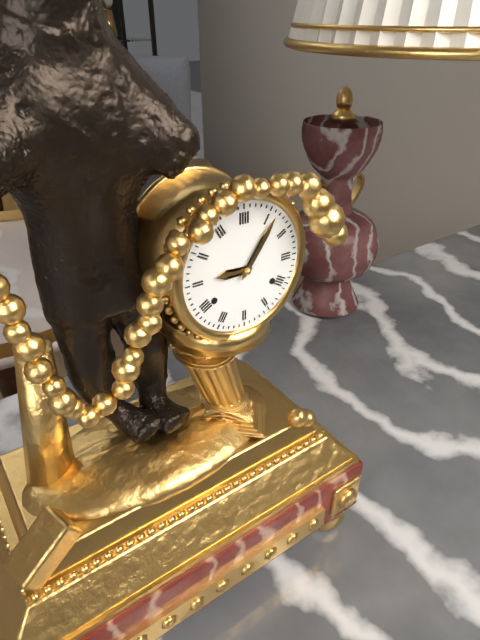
9:06
